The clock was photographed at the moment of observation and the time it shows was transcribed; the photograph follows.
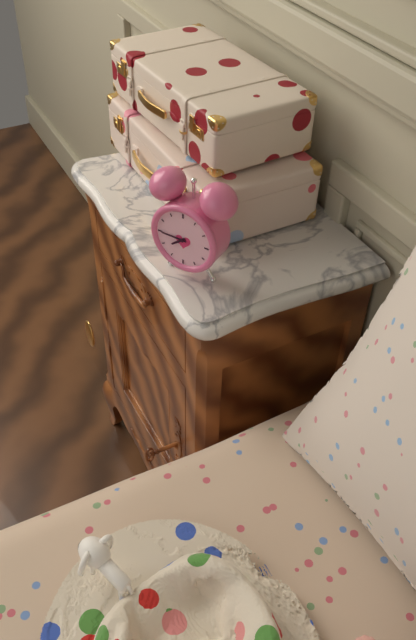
7:45
